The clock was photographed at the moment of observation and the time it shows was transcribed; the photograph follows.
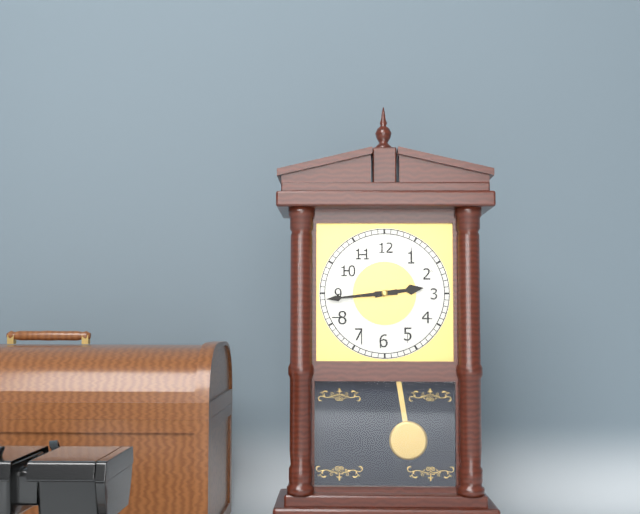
2:44
